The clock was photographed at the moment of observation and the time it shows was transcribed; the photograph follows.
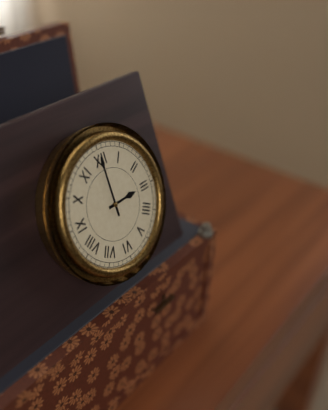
3:00
